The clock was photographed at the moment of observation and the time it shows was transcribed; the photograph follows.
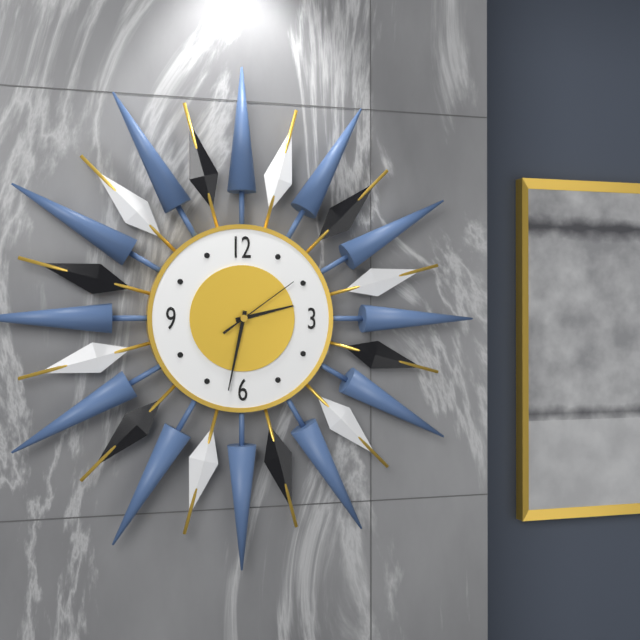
2:32:09
